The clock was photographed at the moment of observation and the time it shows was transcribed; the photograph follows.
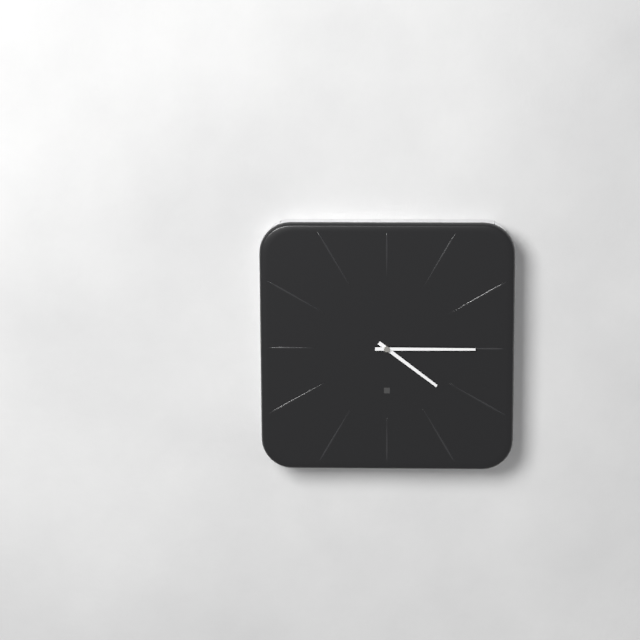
4:15
